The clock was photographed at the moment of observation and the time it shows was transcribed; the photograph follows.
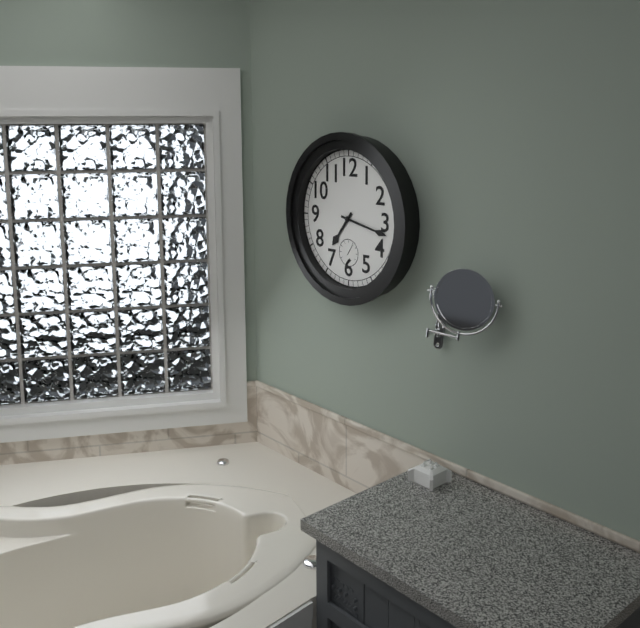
7:17
